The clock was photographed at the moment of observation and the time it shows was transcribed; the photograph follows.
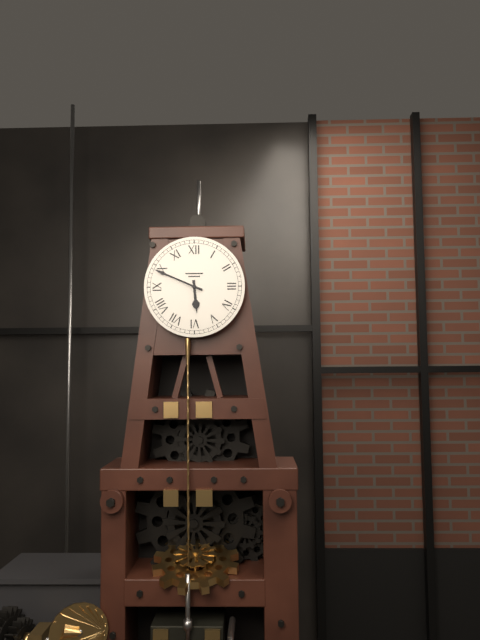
5:49
